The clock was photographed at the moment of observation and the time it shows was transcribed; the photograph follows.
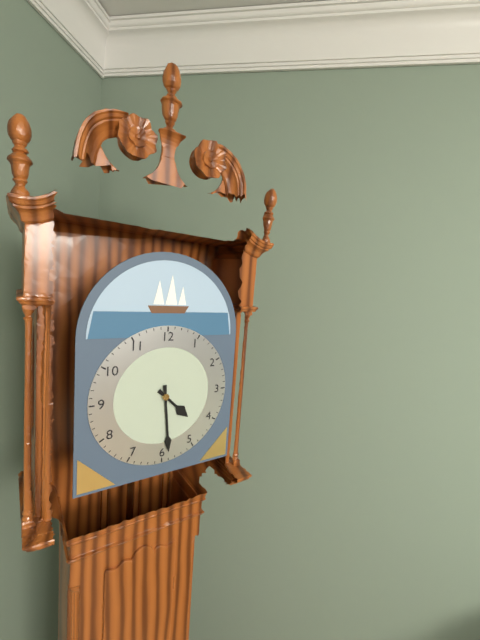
4:29
